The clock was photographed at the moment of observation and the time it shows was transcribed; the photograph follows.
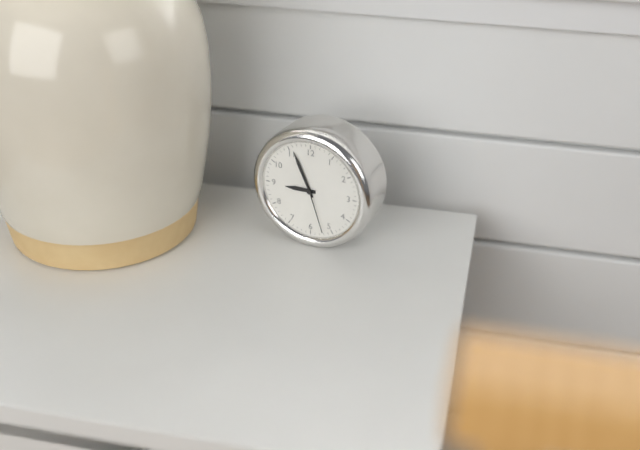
8:56:27
